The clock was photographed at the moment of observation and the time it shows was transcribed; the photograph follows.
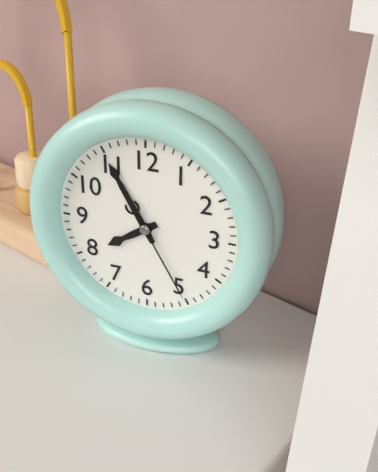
7:55:25
